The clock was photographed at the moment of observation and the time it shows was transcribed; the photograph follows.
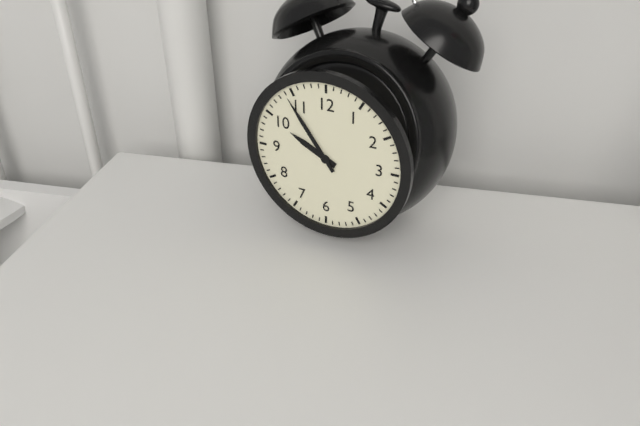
9:54
